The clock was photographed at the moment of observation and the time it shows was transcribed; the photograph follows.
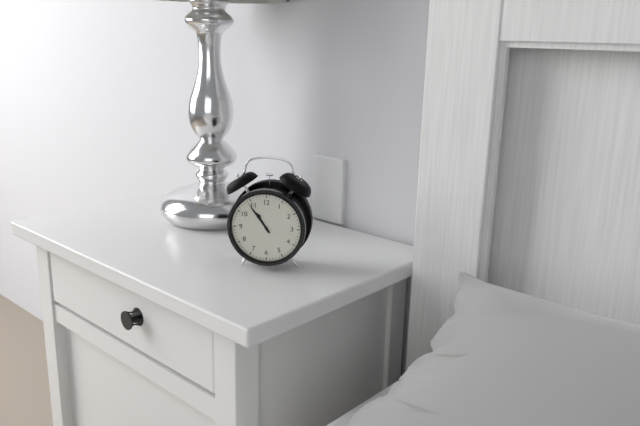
10:54
